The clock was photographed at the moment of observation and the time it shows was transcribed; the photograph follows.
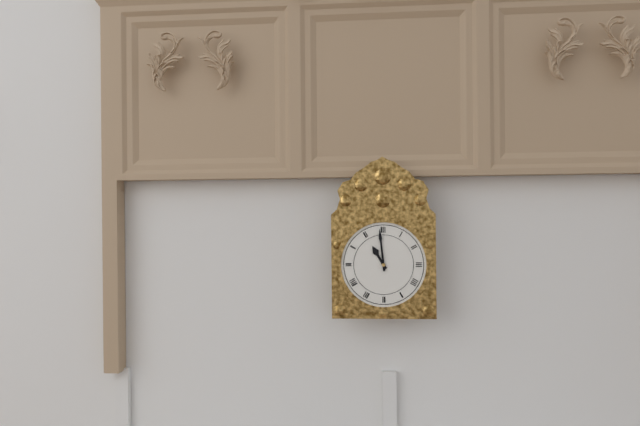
10:59
